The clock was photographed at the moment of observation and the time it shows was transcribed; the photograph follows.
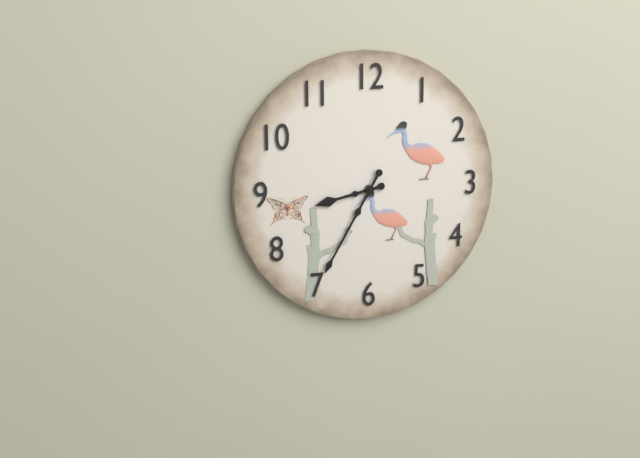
8:35
